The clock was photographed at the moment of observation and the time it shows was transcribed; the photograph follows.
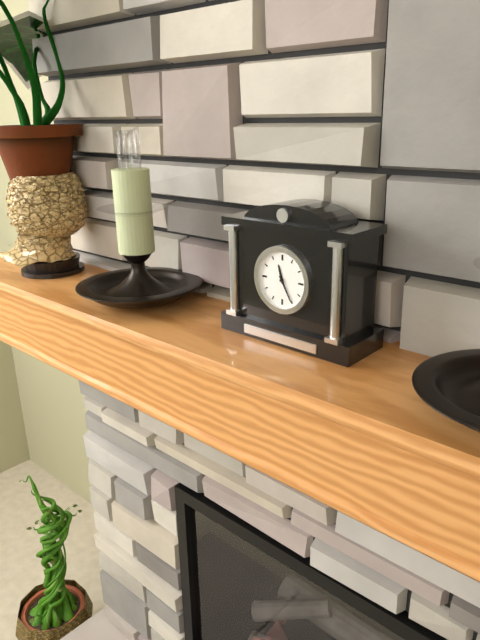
11:25
